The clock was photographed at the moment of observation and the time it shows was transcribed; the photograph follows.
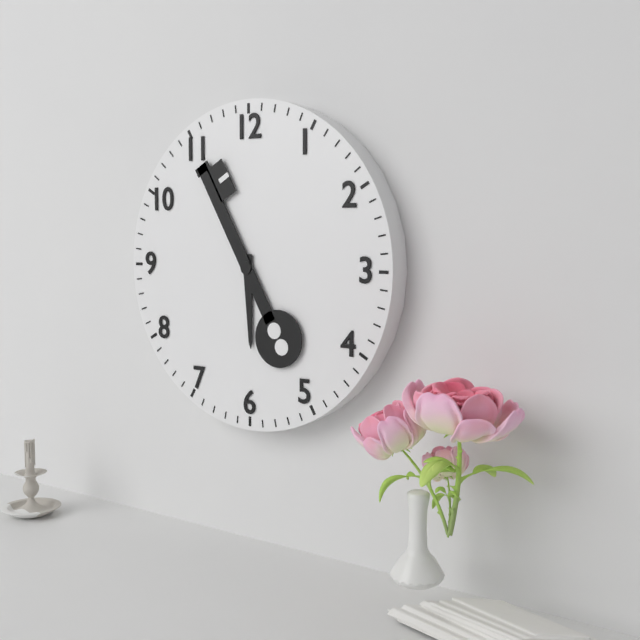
5:55
